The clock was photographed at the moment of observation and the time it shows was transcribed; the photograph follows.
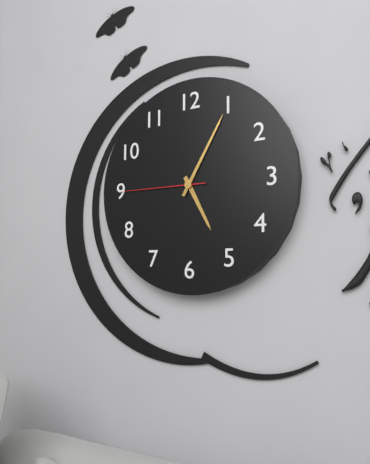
5:05:45
